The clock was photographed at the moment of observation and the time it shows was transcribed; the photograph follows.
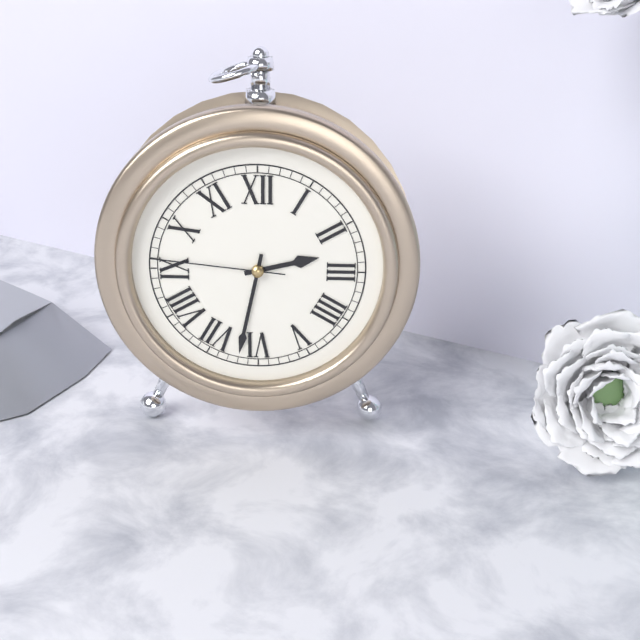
2:32:46
